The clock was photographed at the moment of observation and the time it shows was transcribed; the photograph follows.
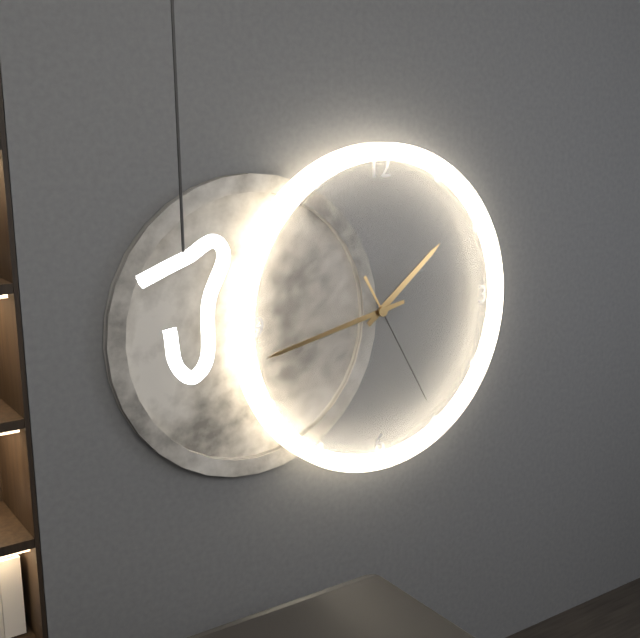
1:43:25
